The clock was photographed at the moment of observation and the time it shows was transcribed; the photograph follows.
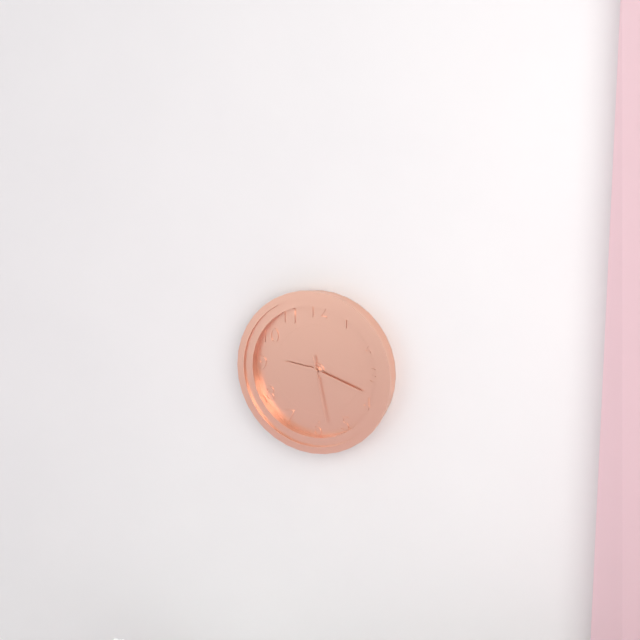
9:18:28
